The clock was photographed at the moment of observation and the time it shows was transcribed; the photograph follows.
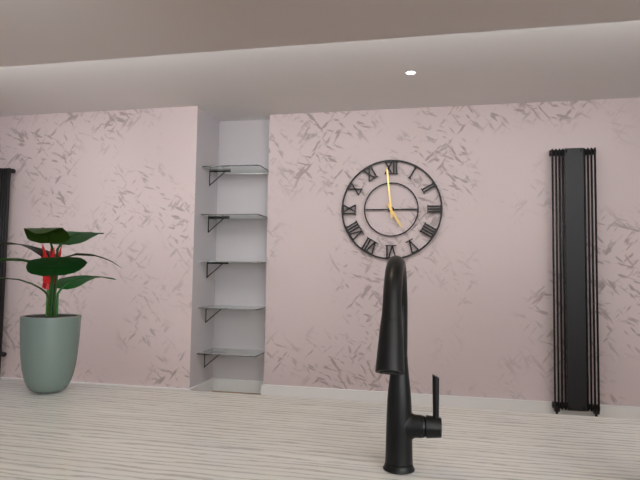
4:59
